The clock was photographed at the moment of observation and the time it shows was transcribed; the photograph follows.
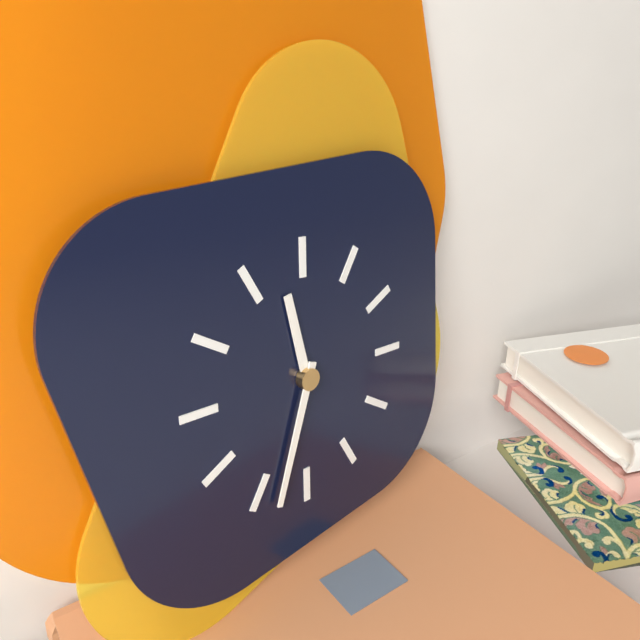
11:33
